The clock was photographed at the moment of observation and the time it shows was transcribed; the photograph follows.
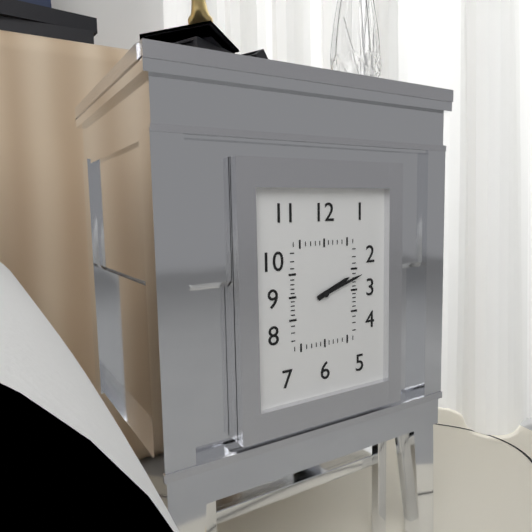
2:12
